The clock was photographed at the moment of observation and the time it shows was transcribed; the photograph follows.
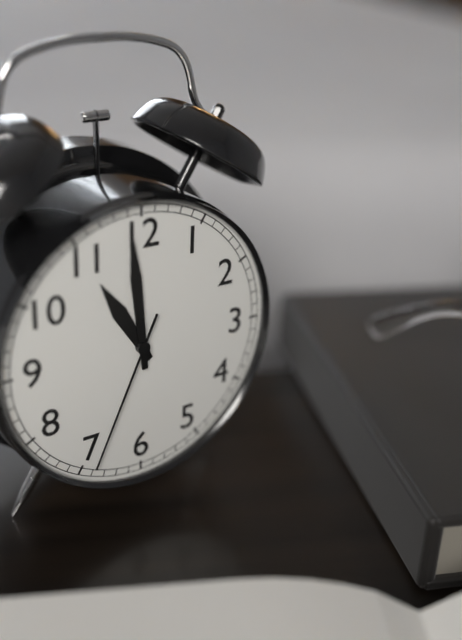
10:59:34
